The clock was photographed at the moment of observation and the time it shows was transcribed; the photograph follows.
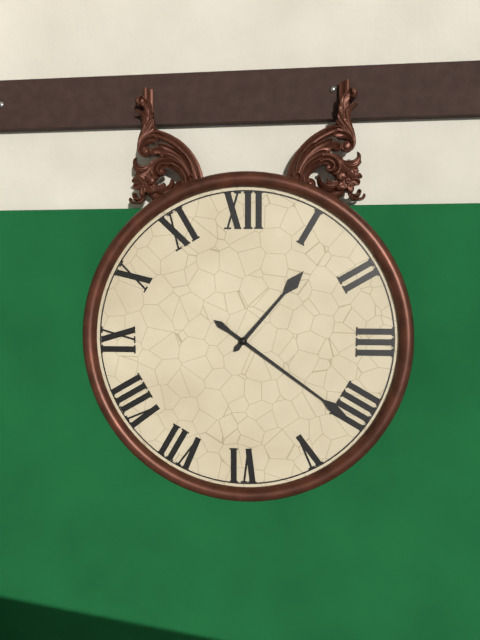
1:21
